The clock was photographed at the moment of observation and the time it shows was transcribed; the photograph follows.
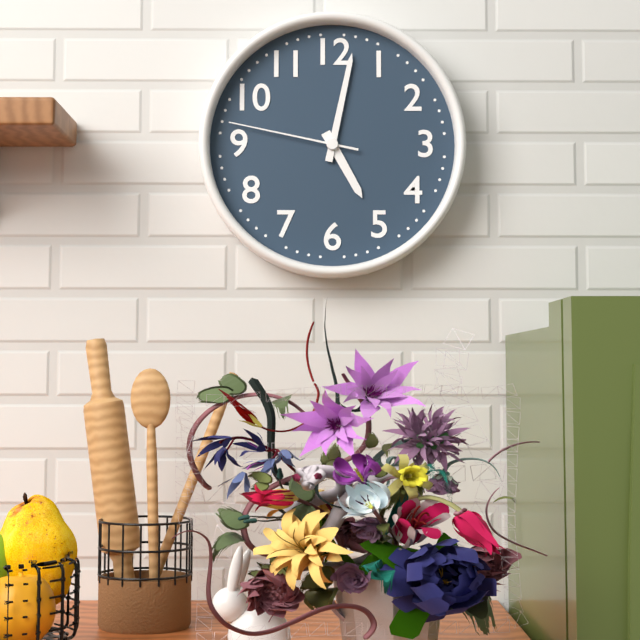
5:02:47
